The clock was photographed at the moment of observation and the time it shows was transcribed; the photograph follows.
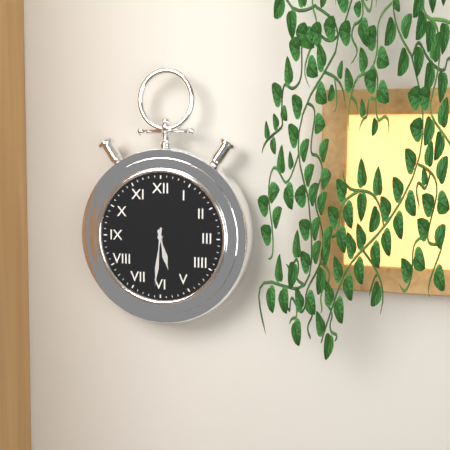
5:31
